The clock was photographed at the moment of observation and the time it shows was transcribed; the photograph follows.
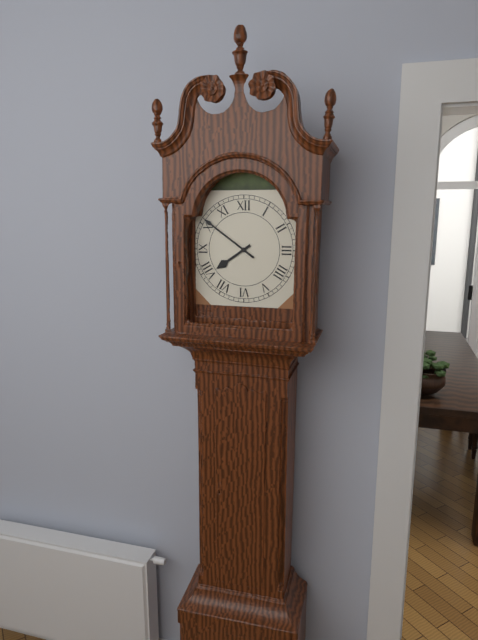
7:51
